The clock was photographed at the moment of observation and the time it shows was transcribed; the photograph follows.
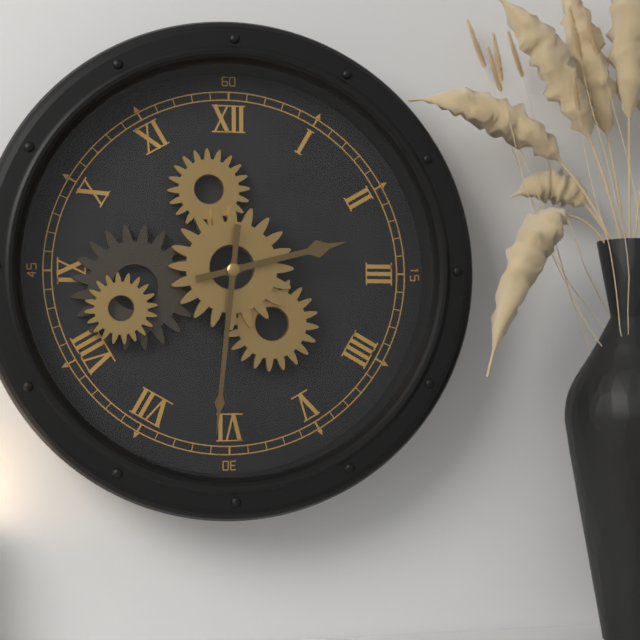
2:31
